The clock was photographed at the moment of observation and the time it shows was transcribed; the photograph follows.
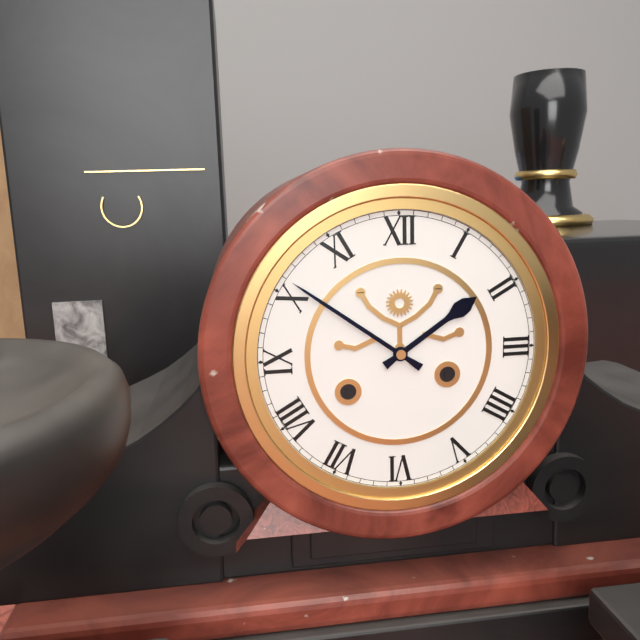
1:51
